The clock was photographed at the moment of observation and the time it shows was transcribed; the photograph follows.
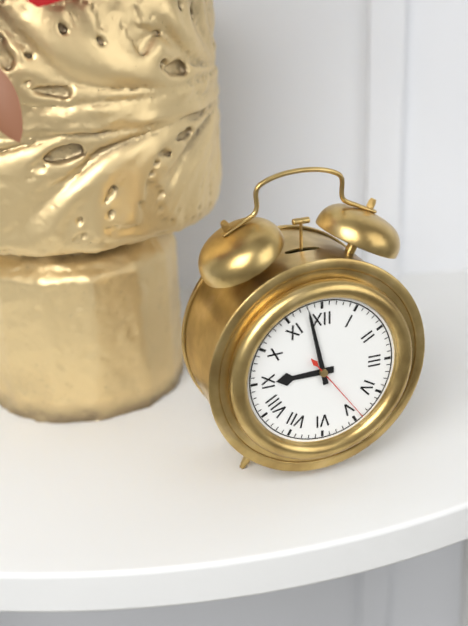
8:58:24
